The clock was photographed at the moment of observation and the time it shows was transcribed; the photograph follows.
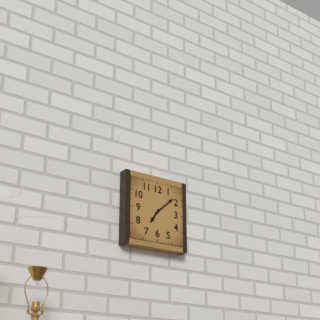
7:08
